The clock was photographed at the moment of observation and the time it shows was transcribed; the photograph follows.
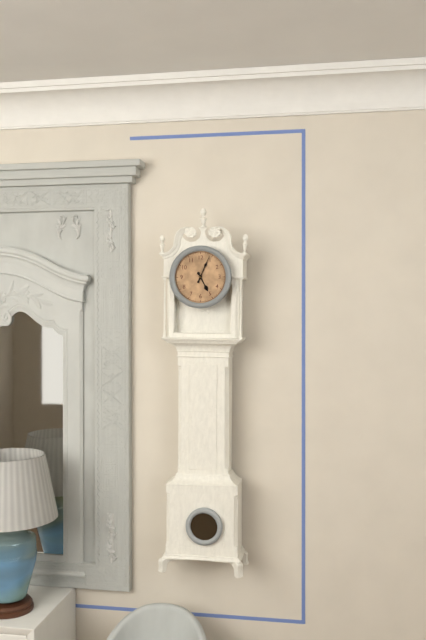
5:04
